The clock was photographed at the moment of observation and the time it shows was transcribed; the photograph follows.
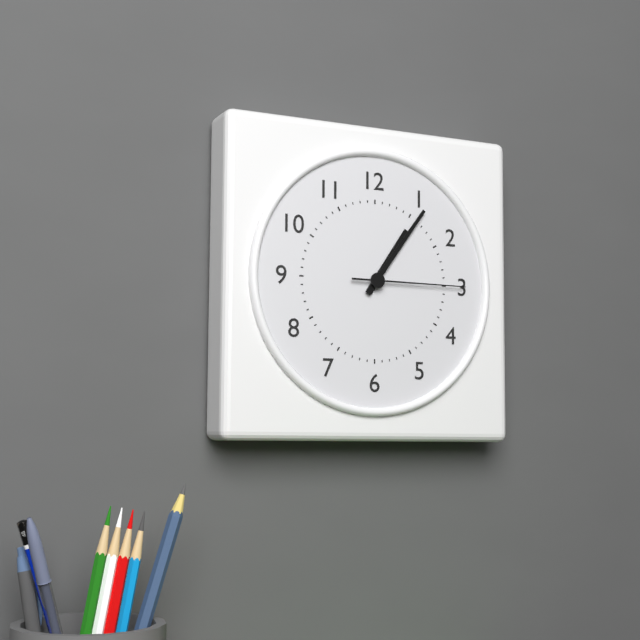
1:06:15
